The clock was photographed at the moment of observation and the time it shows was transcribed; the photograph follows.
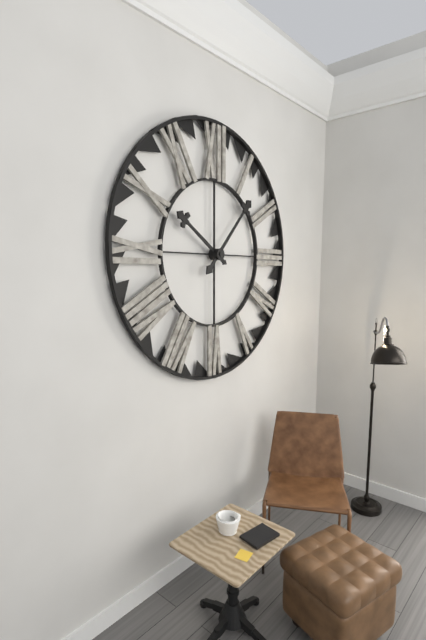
10:07
